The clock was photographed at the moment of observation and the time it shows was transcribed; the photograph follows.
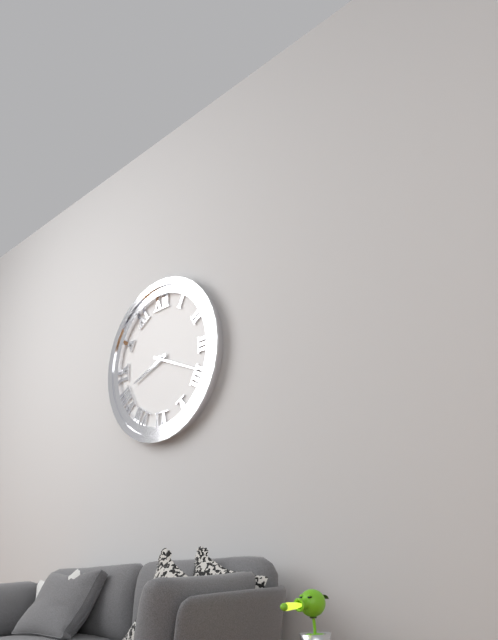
8:19
